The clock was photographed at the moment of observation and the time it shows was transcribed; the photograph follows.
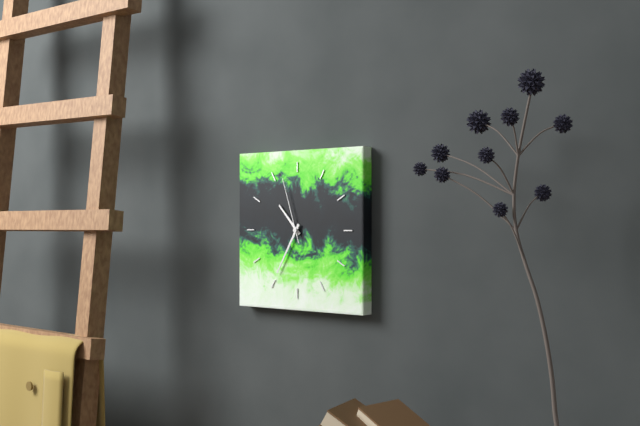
10:35:57
